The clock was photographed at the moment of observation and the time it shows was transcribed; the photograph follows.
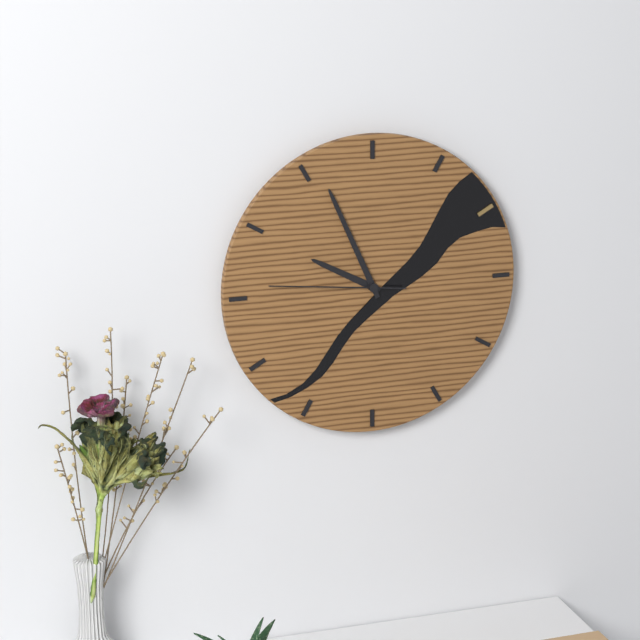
9:56:46
